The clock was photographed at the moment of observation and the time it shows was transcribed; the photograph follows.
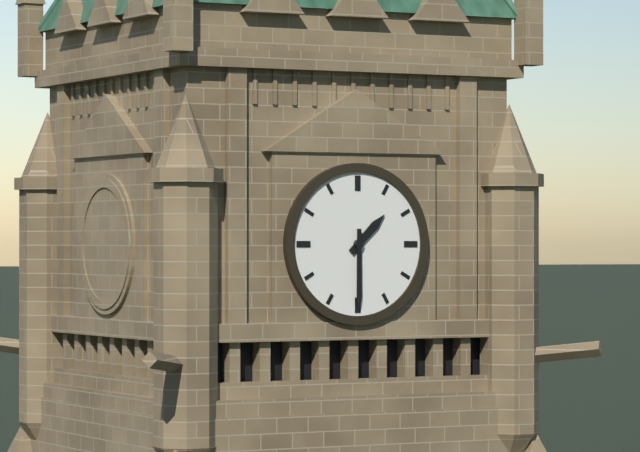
1:30
